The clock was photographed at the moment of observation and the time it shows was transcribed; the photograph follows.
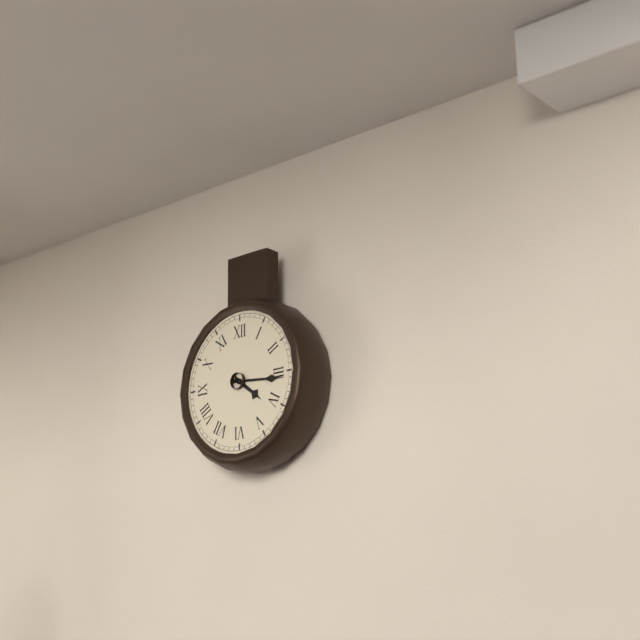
4:16
